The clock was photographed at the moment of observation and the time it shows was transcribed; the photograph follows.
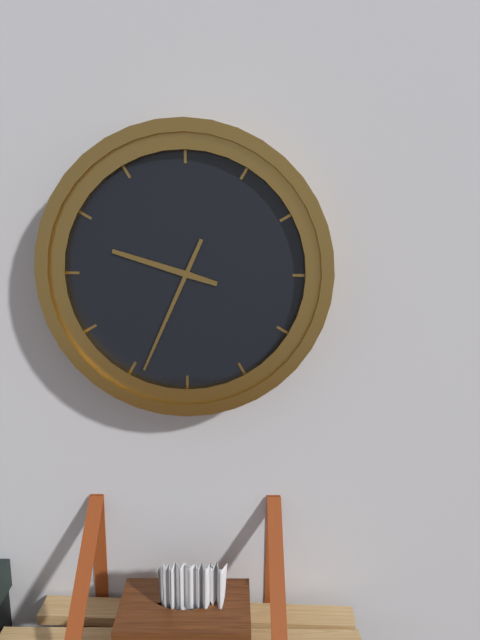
9:34
